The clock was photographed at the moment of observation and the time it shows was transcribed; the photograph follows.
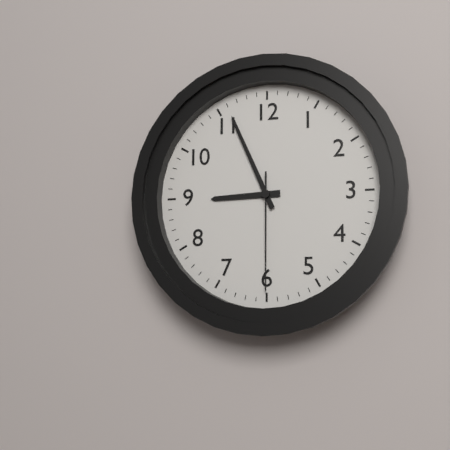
8:56:30
